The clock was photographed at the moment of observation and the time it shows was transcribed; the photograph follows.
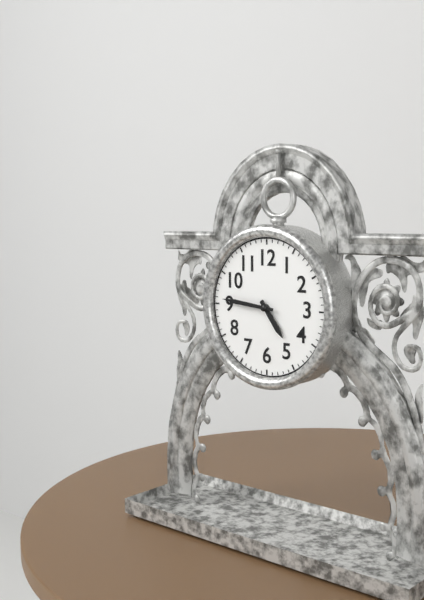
4:46
